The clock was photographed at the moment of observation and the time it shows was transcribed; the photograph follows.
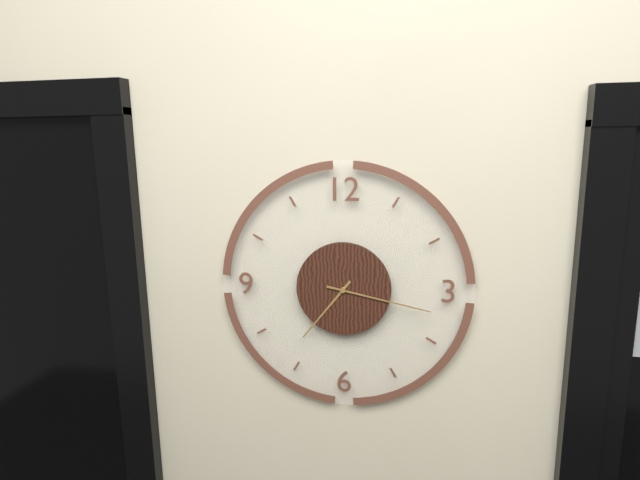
7:17
